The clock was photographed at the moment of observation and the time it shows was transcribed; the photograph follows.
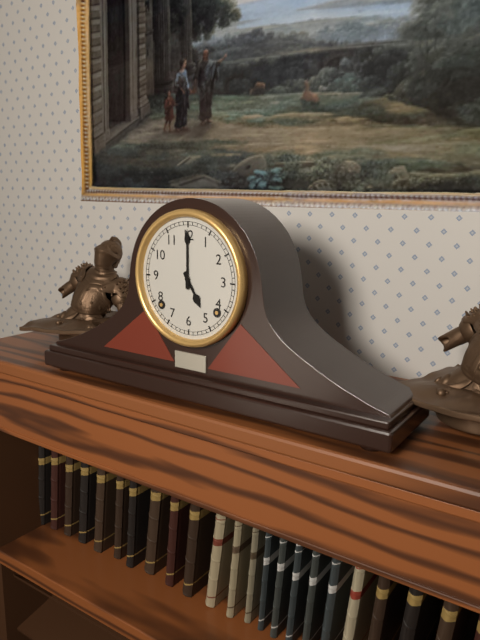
5:00
